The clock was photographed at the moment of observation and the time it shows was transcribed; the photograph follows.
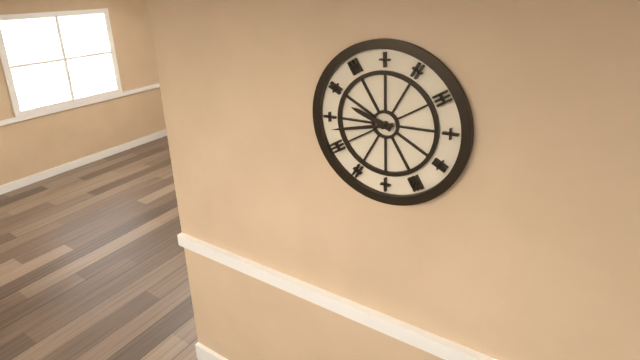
9:43
